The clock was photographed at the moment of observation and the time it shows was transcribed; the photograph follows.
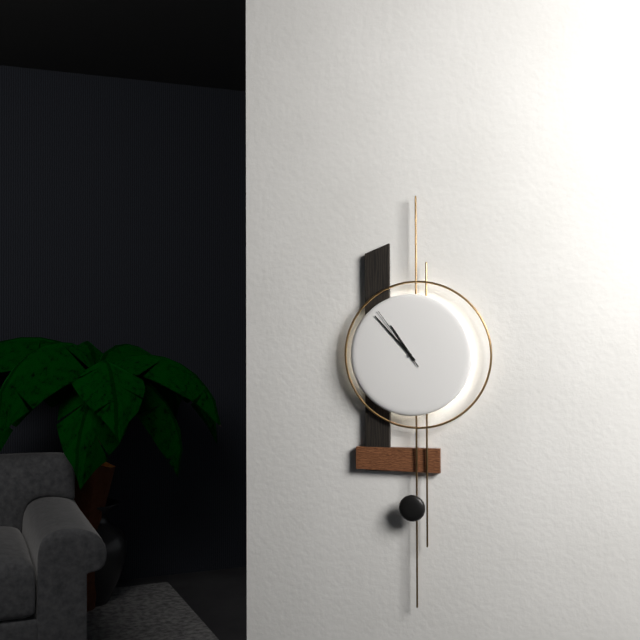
10:53:54
